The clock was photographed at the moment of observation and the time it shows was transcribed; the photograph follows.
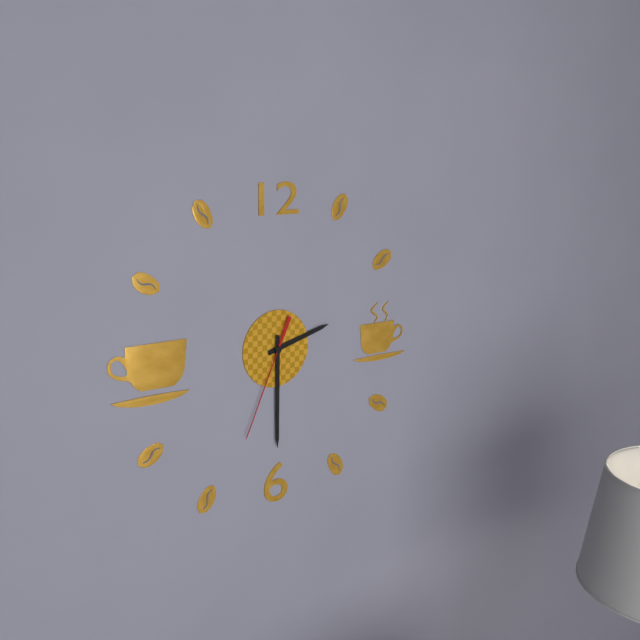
2:30:34
